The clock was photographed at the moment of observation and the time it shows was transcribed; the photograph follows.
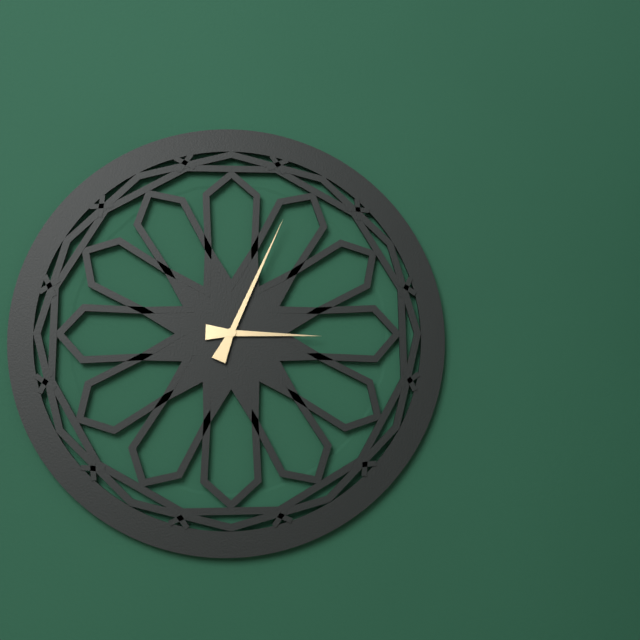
3:04
